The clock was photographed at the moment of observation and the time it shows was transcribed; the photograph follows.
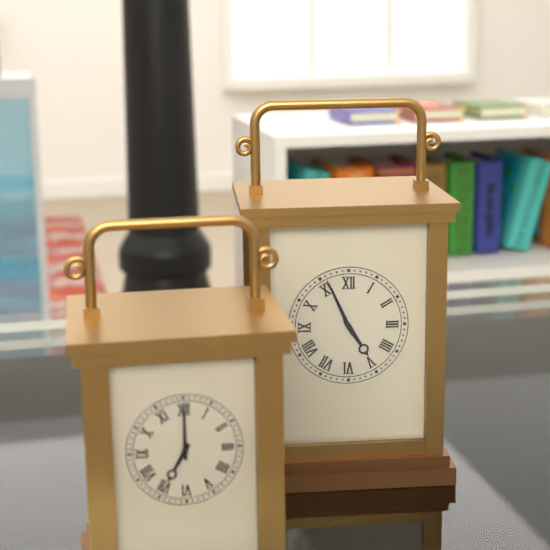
4:56
